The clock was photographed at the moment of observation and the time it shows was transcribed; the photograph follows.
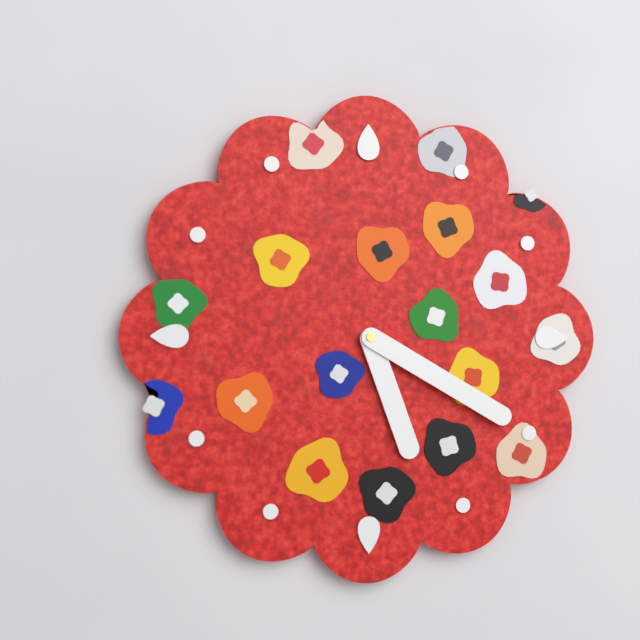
5:20
